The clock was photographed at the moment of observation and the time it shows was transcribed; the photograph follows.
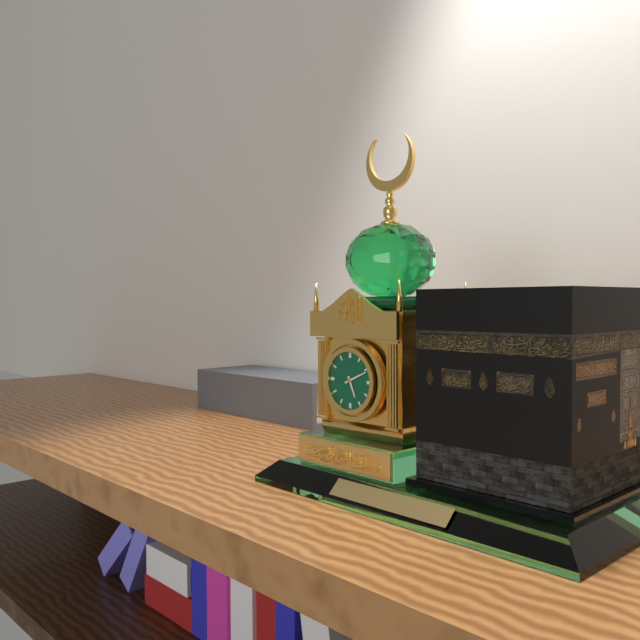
5:11
